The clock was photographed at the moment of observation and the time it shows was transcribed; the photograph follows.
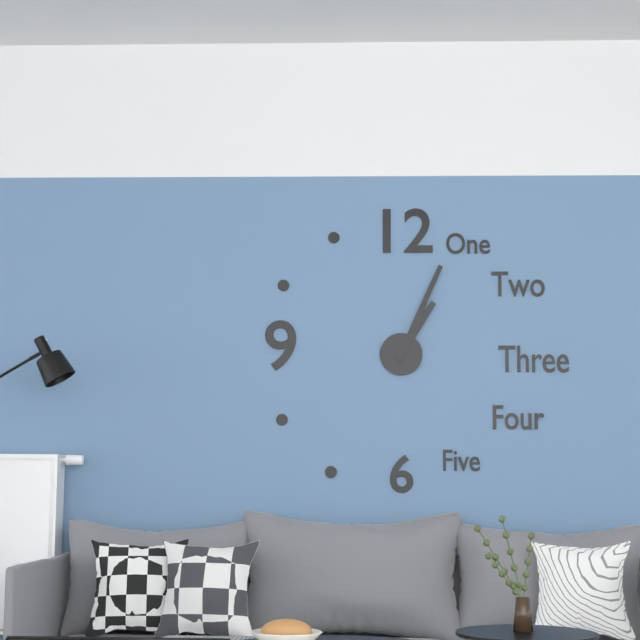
1:04
